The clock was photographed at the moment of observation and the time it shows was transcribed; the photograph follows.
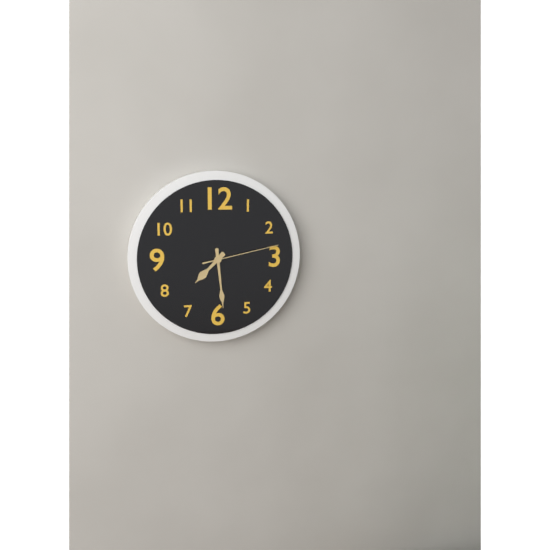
7:29:13
